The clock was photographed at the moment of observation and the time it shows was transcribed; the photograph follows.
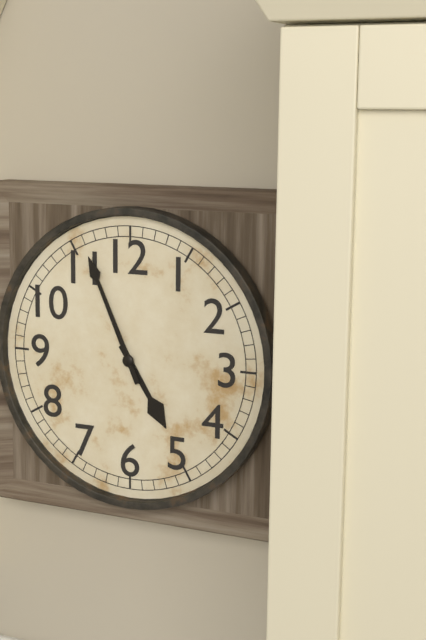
4:56
